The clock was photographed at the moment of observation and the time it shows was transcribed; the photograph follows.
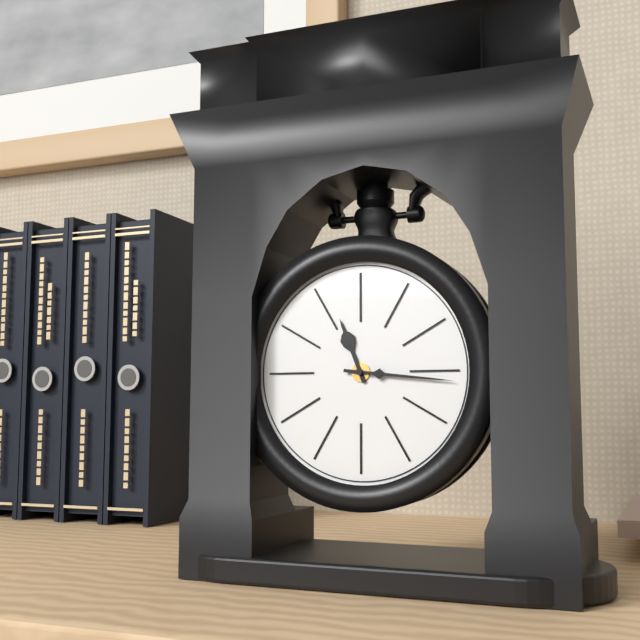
11:16
